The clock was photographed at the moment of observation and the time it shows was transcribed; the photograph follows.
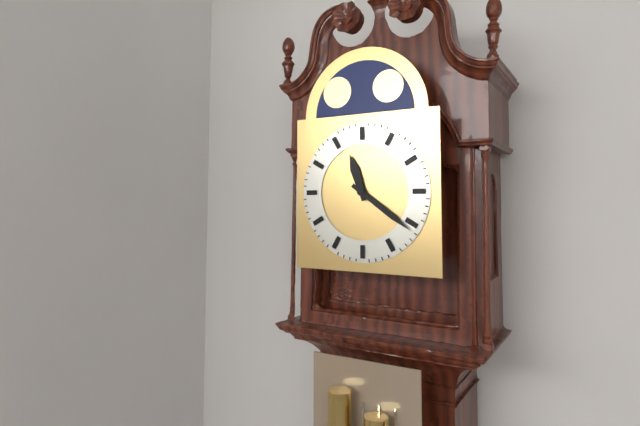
11:21
